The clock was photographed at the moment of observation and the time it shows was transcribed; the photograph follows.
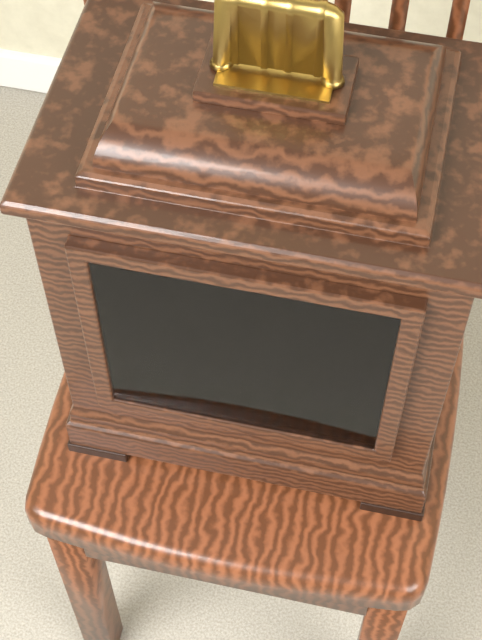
6:17
